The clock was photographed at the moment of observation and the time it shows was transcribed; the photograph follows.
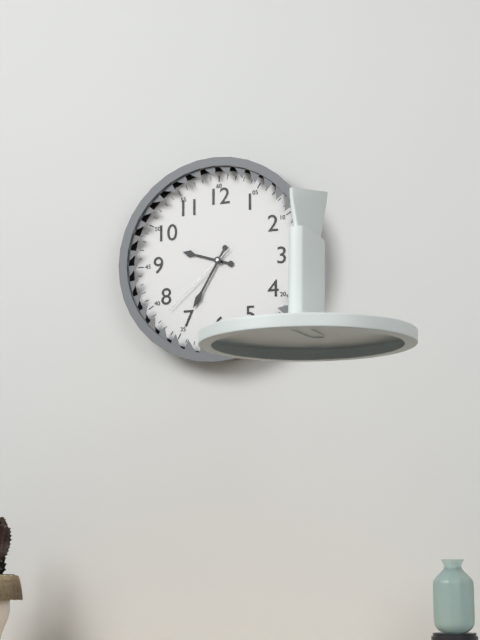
9:35:38
